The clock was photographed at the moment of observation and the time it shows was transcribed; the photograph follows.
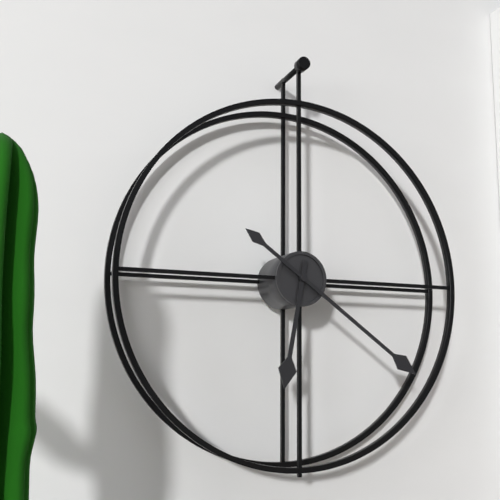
6:21
